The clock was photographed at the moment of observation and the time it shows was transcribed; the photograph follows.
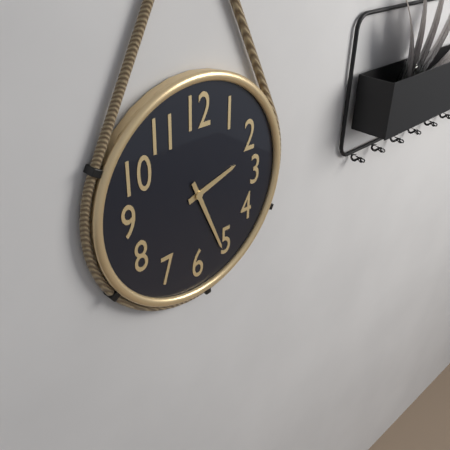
2:26
